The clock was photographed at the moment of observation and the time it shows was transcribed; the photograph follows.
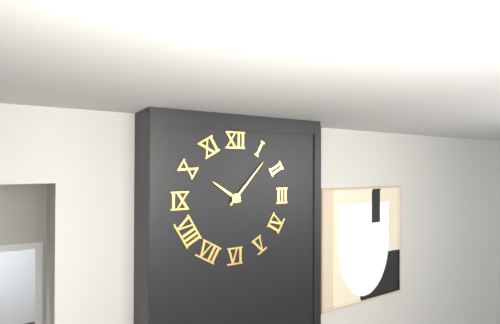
10:07
